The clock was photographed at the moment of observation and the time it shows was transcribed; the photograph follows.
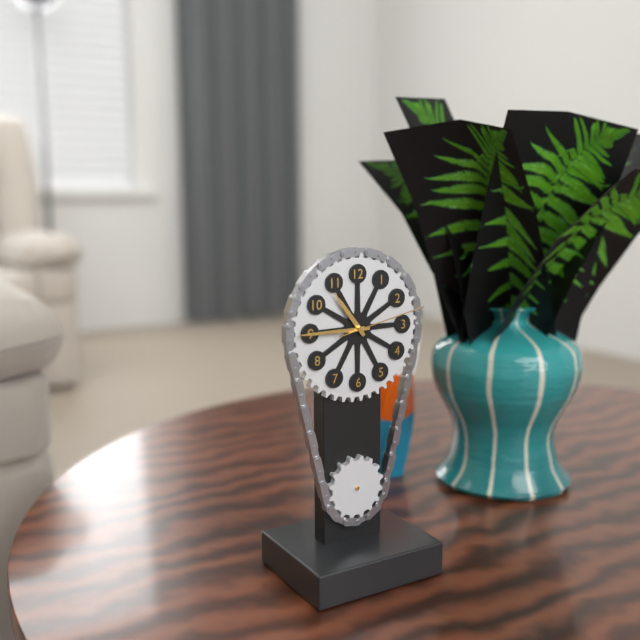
10:45:13
